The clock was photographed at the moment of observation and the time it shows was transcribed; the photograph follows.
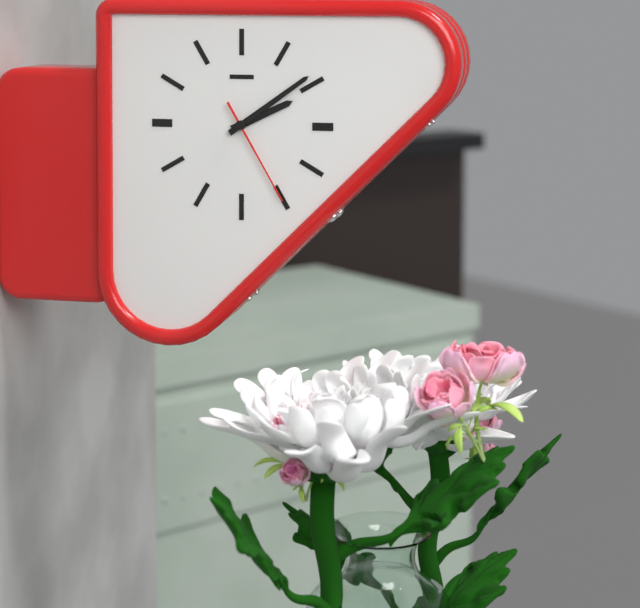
2:09:25
